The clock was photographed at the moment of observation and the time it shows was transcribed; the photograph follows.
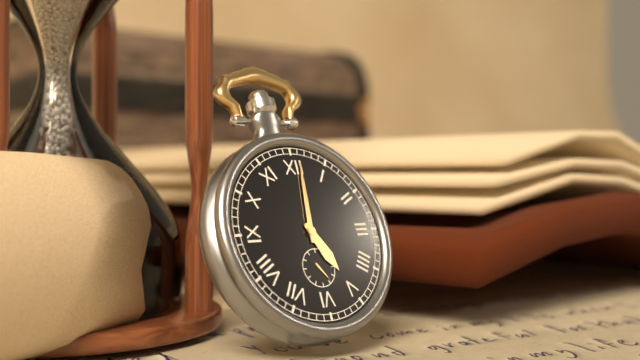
5:01
